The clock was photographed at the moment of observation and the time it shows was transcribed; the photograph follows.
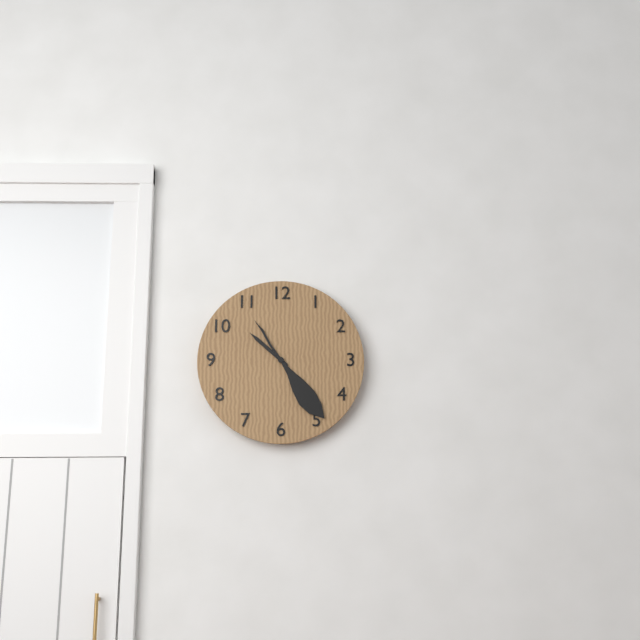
10:24
